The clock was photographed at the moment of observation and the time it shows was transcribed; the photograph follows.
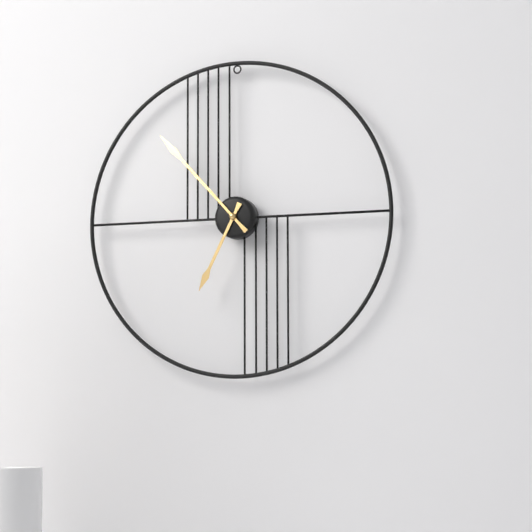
6:53
